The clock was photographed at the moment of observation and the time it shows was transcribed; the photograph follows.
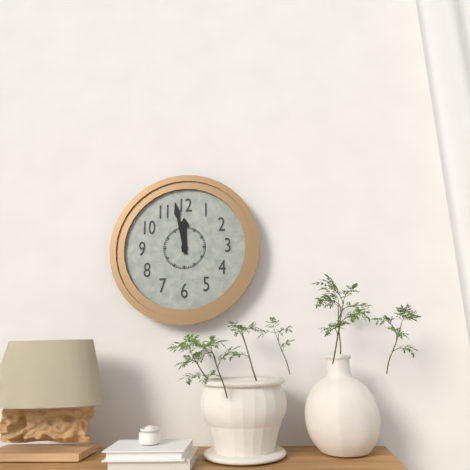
11:58
